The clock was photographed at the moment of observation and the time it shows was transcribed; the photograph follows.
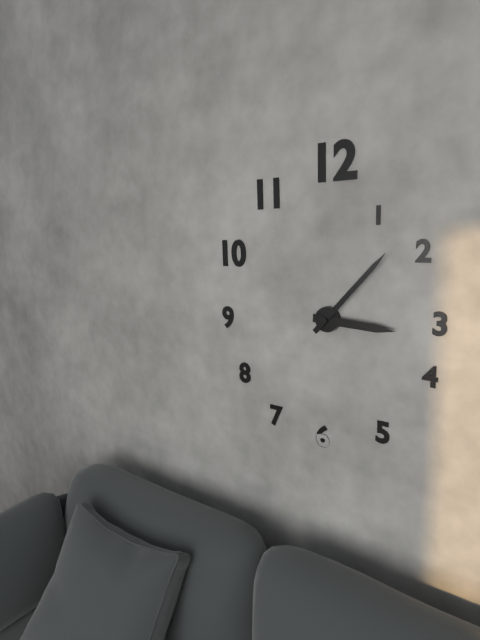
3:07
